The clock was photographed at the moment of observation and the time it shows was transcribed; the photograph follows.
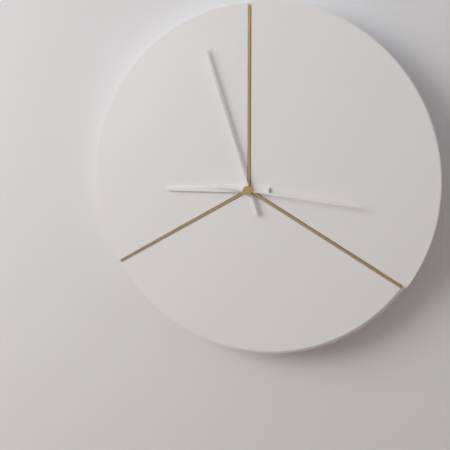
8:57:16
